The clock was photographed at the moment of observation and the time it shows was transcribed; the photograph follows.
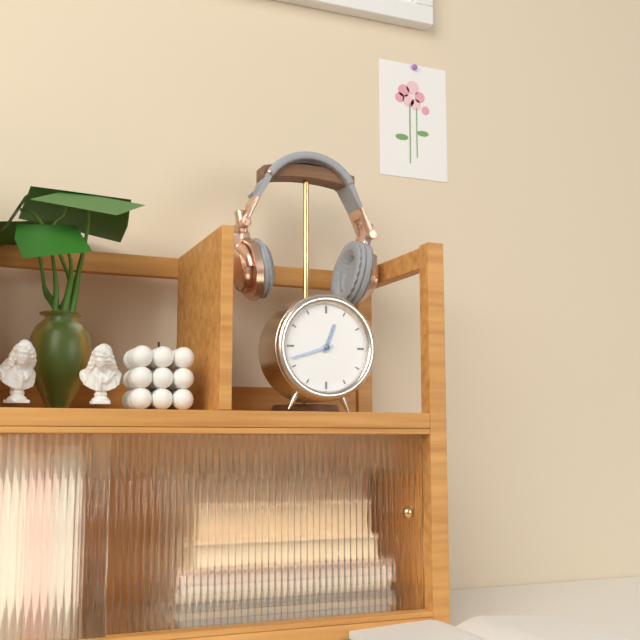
12:42
